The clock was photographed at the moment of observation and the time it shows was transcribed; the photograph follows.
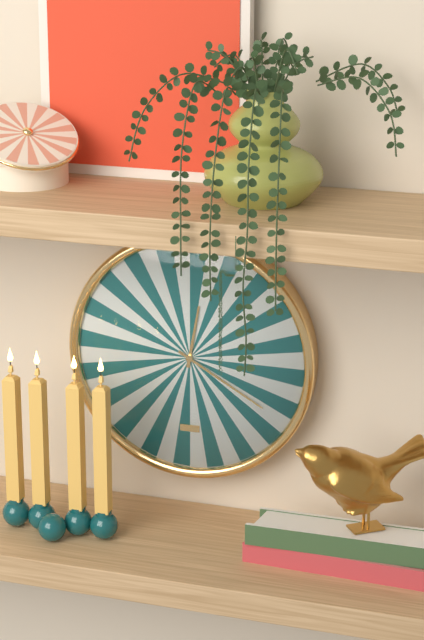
12:20
